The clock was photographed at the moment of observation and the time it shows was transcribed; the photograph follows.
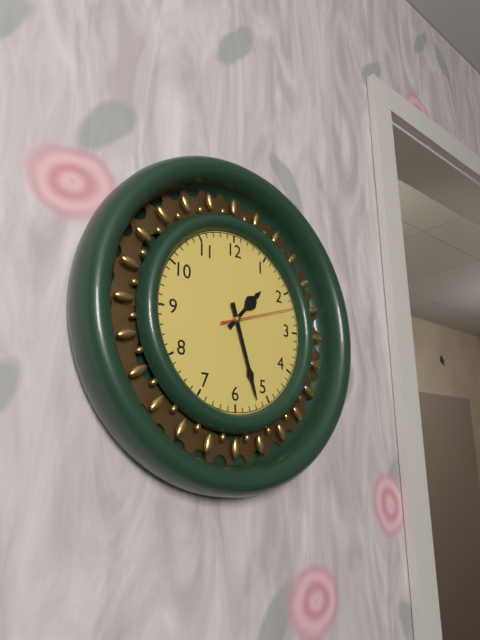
1:27:12
